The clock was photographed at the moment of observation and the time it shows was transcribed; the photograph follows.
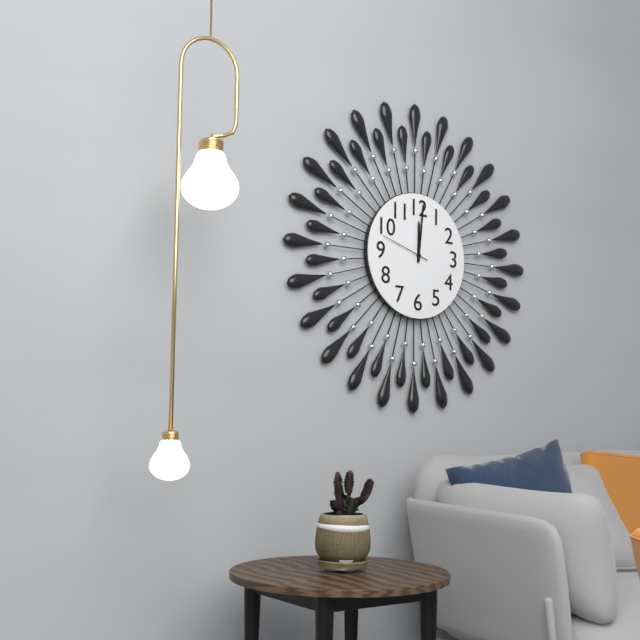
12:01
